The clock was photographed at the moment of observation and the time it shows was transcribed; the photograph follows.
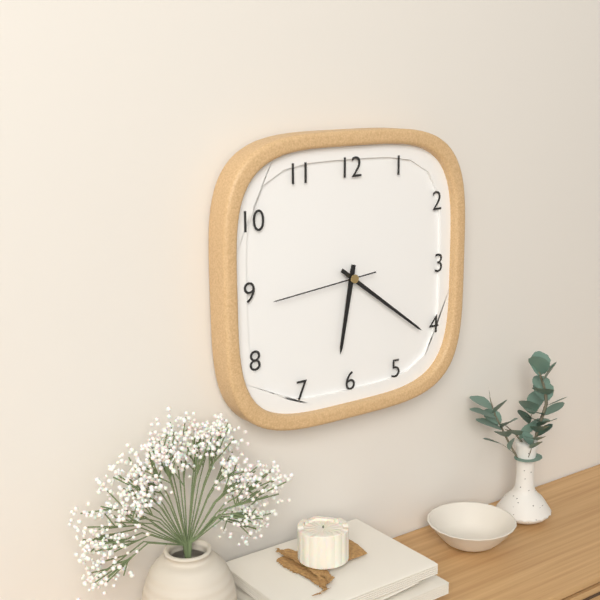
6:21:44
